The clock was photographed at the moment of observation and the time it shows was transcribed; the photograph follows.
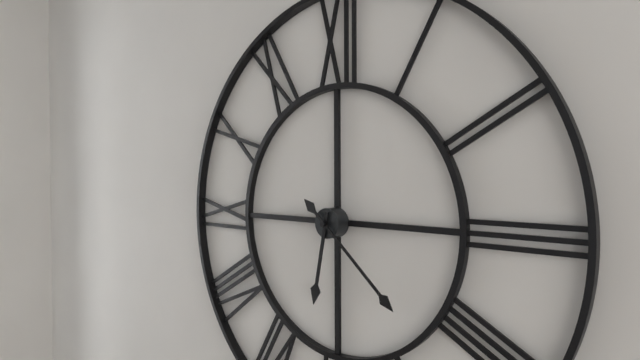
6:22
